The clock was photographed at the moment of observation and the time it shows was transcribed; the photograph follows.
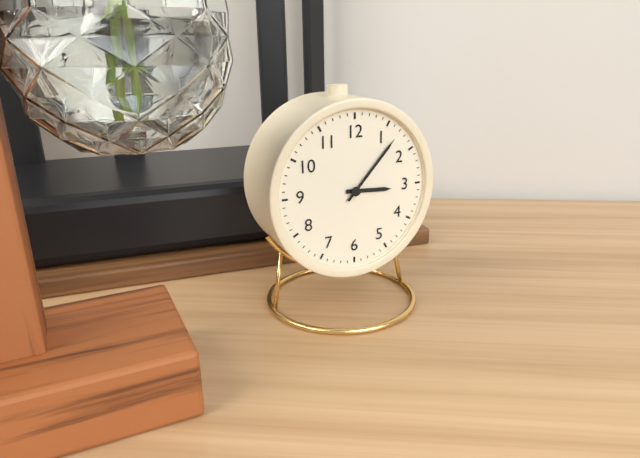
3:07
